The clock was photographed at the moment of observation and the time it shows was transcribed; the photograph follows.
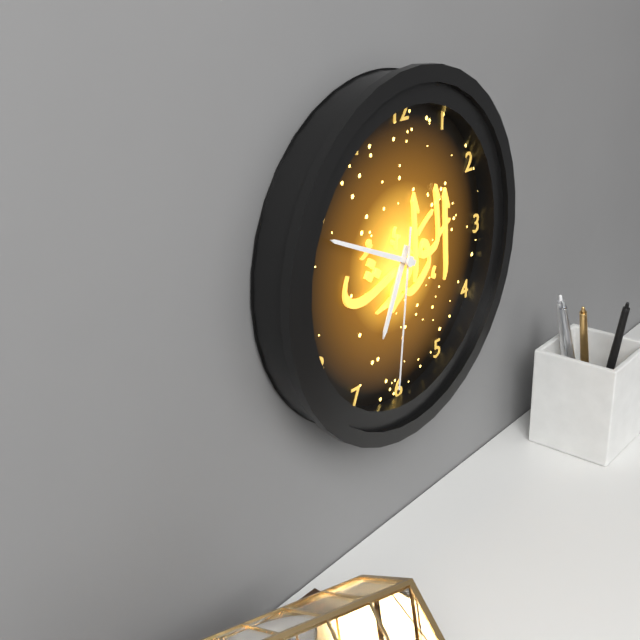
6:49:31
